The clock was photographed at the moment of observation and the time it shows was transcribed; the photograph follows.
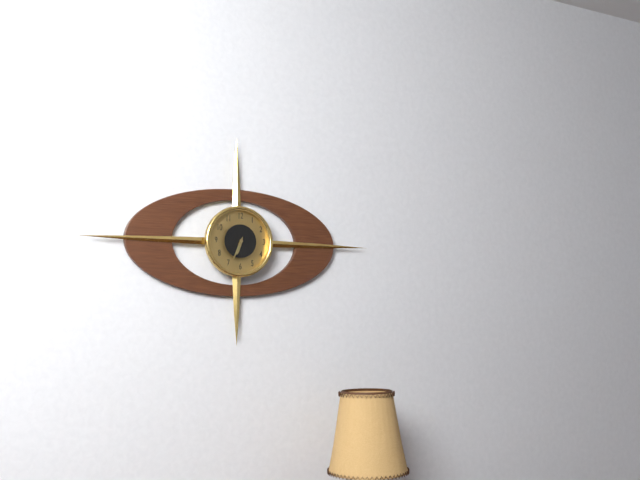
6:34
